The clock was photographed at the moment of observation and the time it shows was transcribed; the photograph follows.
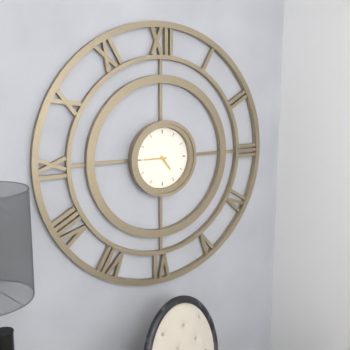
4:45
